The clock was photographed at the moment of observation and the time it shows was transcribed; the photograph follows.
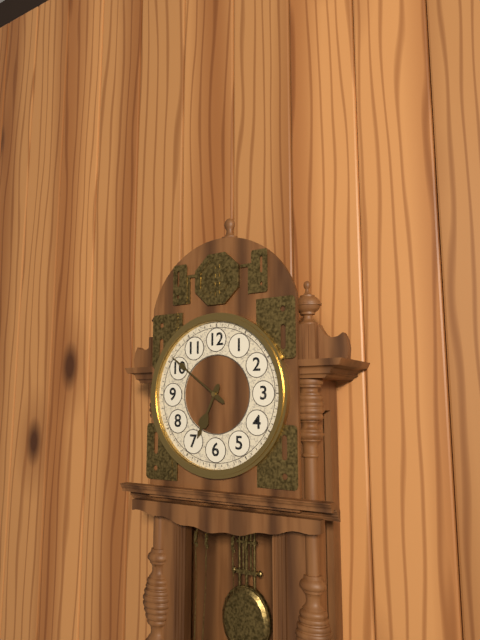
6:51
